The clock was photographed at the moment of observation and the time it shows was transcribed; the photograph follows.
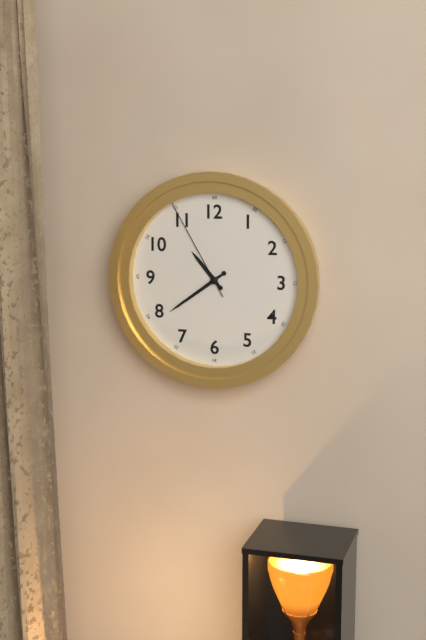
10:39:55
